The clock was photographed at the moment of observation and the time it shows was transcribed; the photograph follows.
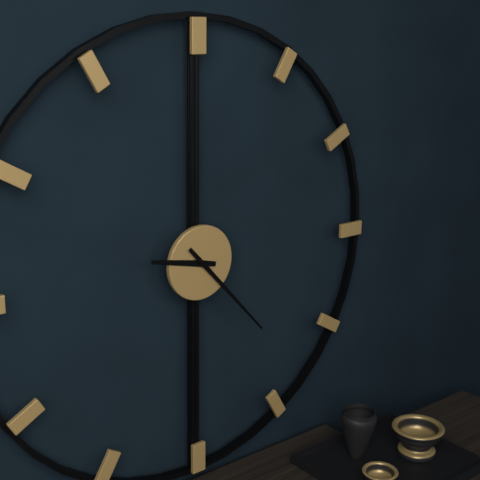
9:23
